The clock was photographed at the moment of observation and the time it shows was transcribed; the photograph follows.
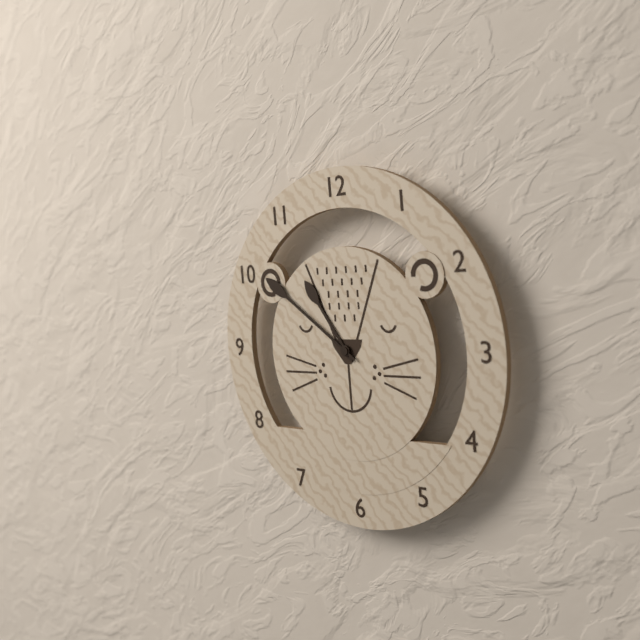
10:51
